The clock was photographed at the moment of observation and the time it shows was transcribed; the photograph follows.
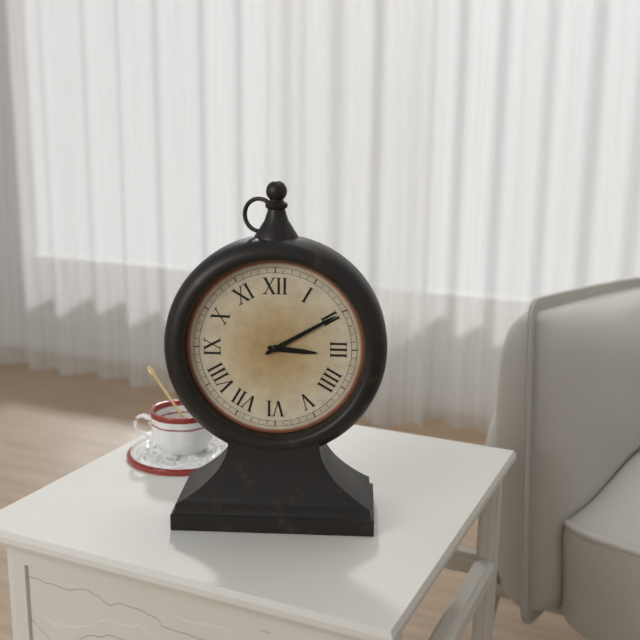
3:10
